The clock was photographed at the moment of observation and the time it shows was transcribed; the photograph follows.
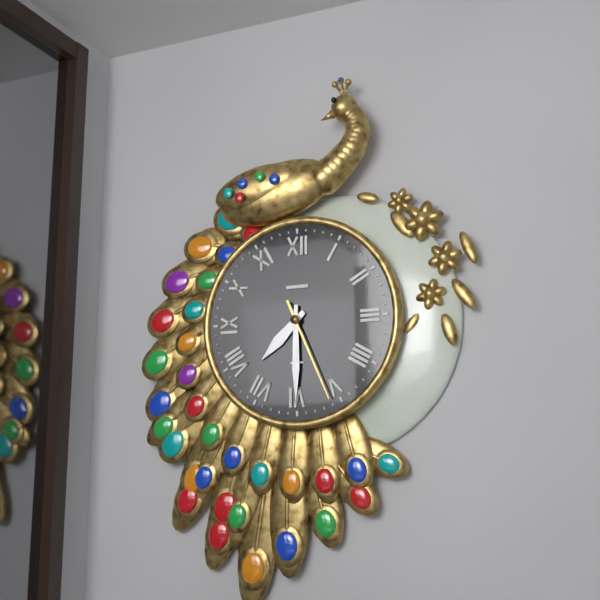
7:30:26
